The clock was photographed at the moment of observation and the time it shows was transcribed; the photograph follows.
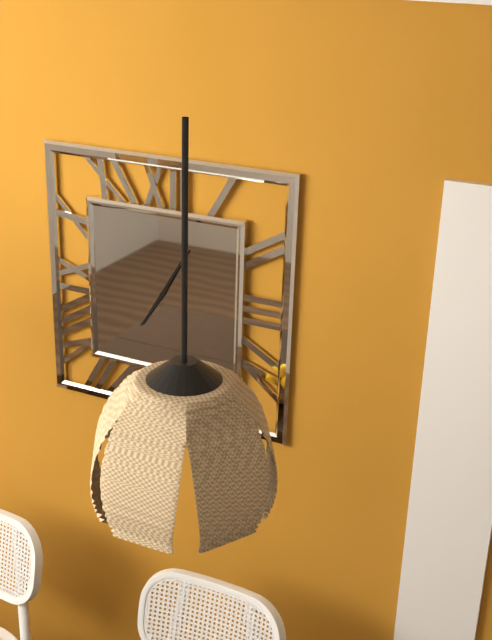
7:05
